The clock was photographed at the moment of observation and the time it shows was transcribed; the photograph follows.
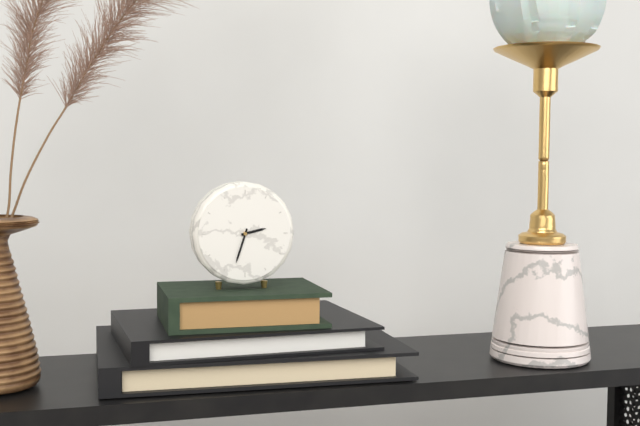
2:33
